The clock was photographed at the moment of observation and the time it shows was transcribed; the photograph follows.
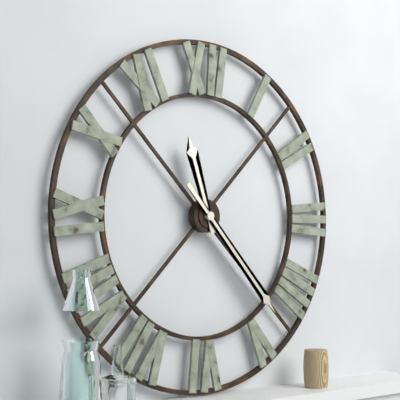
11:23
